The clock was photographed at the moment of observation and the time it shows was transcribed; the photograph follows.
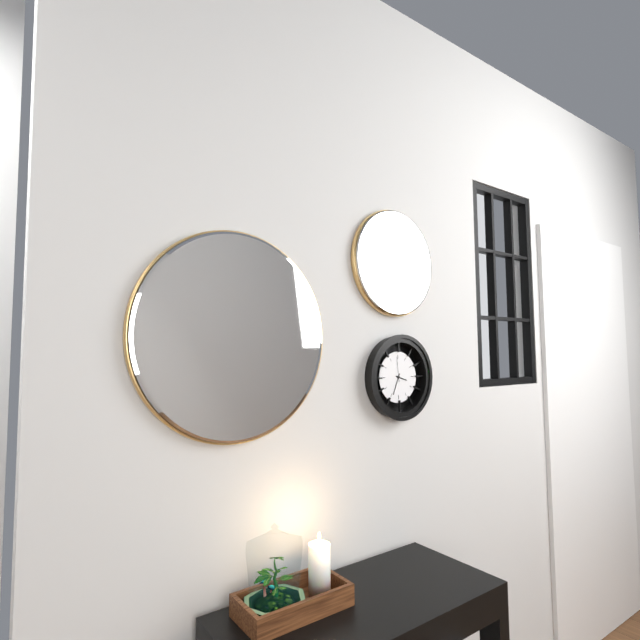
3:34
